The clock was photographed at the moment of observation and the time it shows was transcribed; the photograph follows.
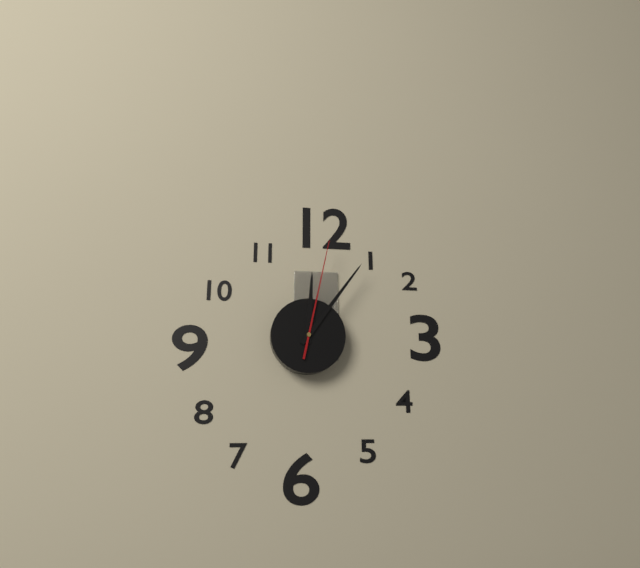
12:06:02
